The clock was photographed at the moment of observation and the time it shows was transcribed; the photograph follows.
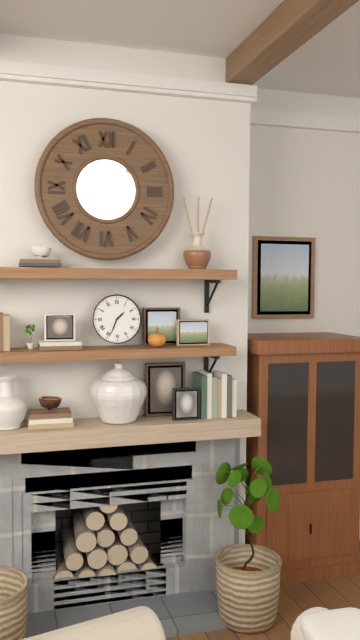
1:34
